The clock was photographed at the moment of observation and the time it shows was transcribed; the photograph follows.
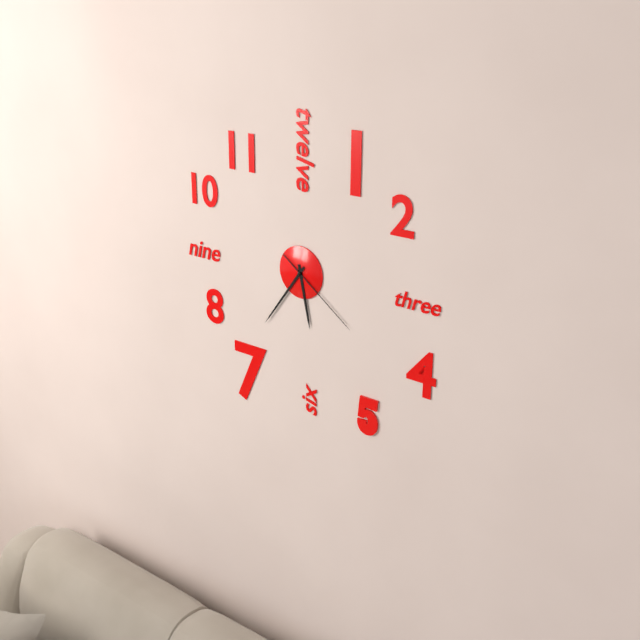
5:36:21
